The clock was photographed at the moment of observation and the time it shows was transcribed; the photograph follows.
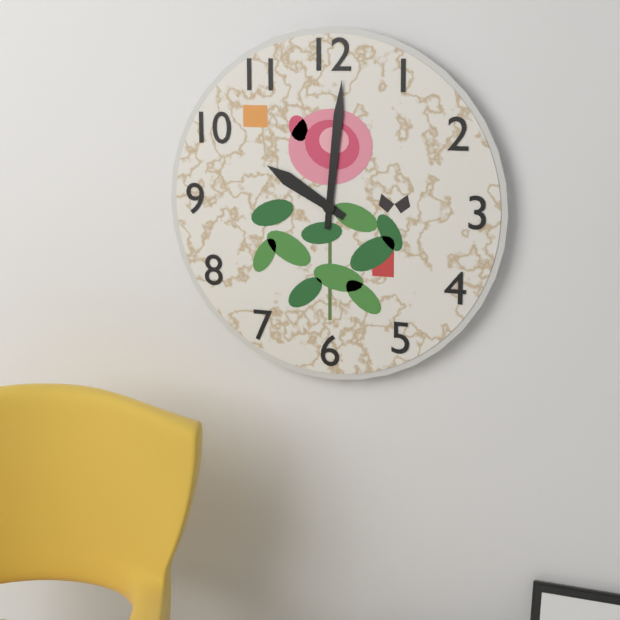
10:01
